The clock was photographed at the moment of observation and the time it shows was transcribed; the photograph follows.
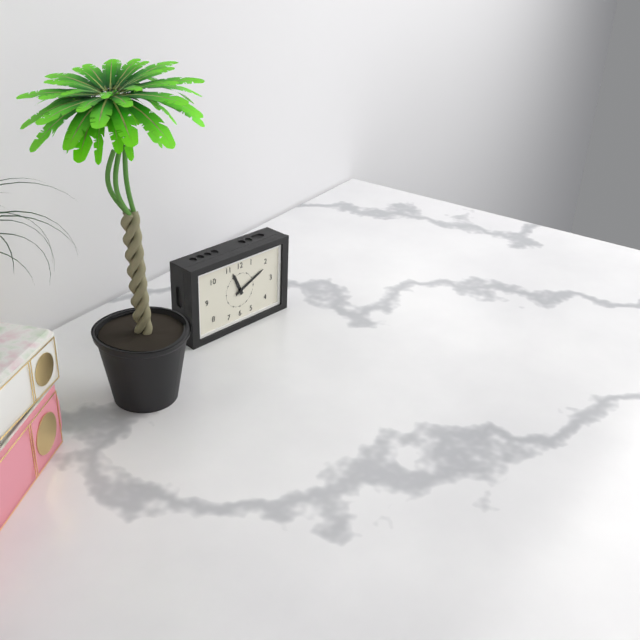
11:11
